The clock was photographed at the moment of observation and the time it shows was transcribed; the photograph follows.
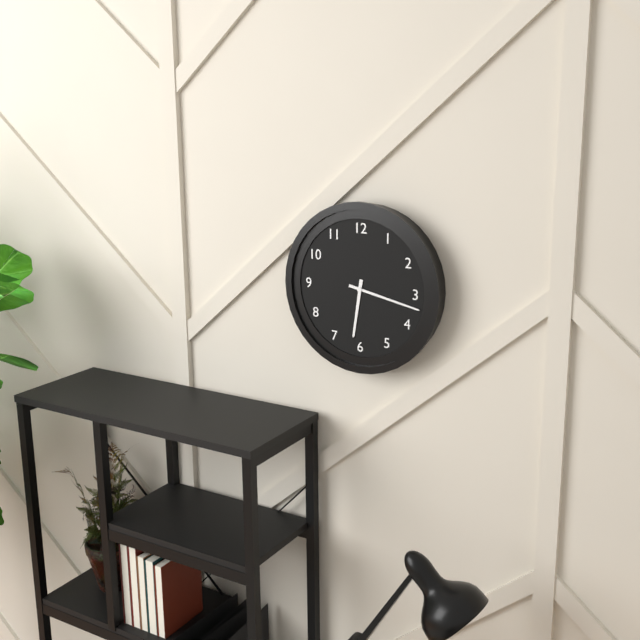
6:17
